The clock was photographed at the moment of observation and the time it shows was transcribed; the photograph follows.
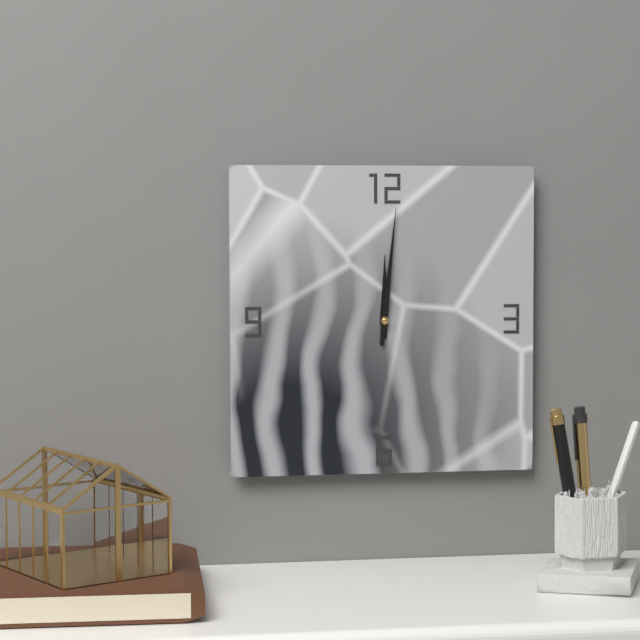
12:01
